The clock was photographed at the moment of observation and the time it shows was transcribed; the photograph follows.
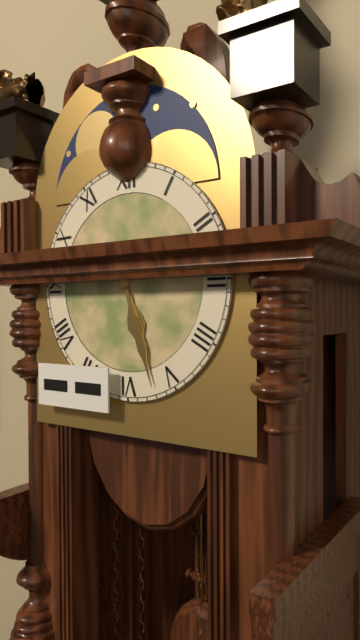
5:27
